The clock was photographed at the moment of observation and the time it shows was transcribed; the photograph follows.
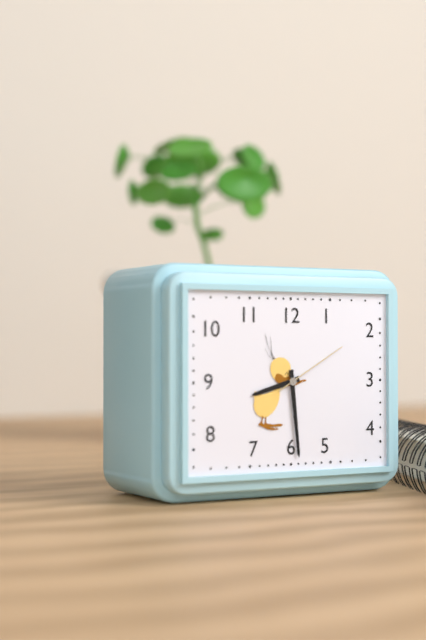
8:29:10
